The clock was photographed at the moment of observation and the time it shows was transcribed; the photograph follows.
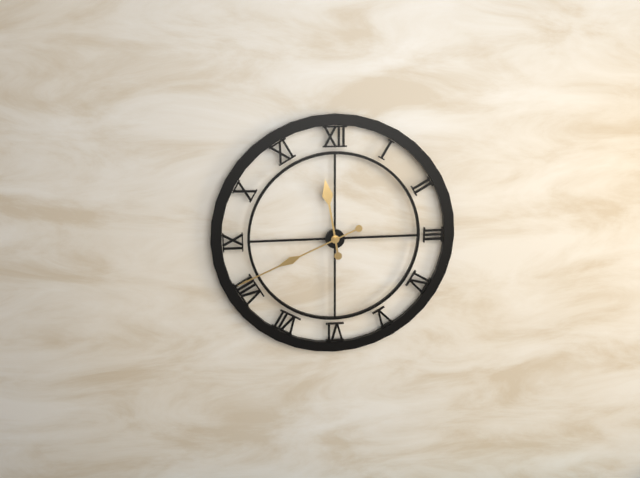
11:41
